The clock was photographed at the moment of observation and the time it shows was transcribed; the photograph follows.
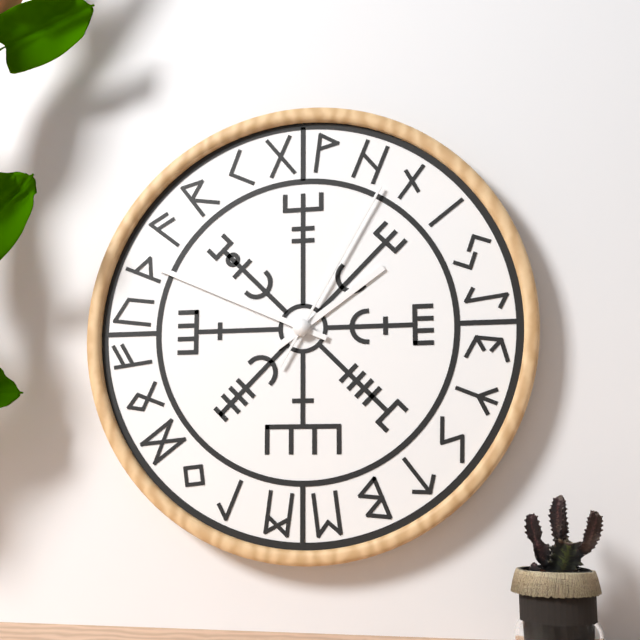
1:49:05
